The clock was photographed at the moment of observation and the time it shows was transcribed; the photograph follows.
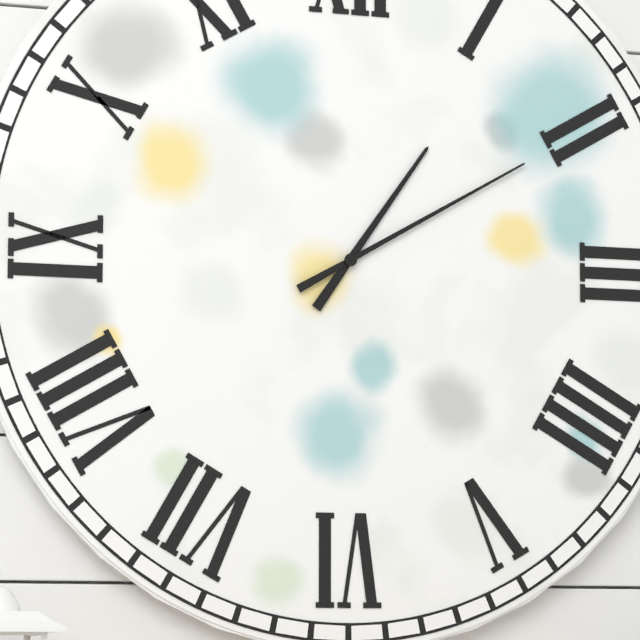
1:10
